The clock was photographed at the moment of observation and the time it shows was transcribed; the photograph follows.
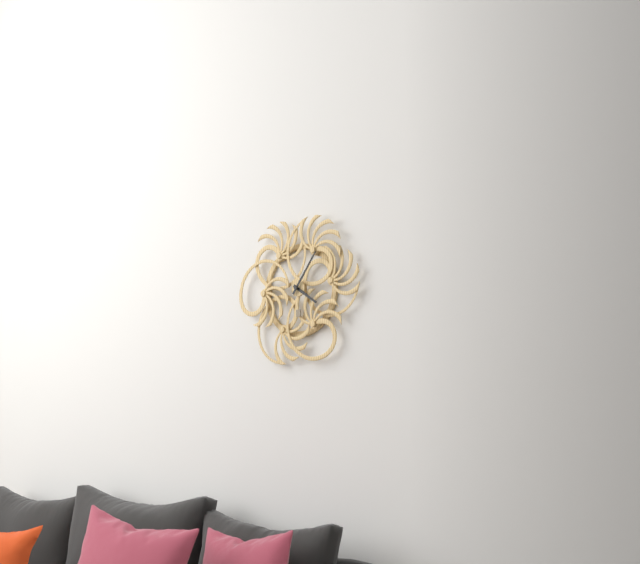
4:06
